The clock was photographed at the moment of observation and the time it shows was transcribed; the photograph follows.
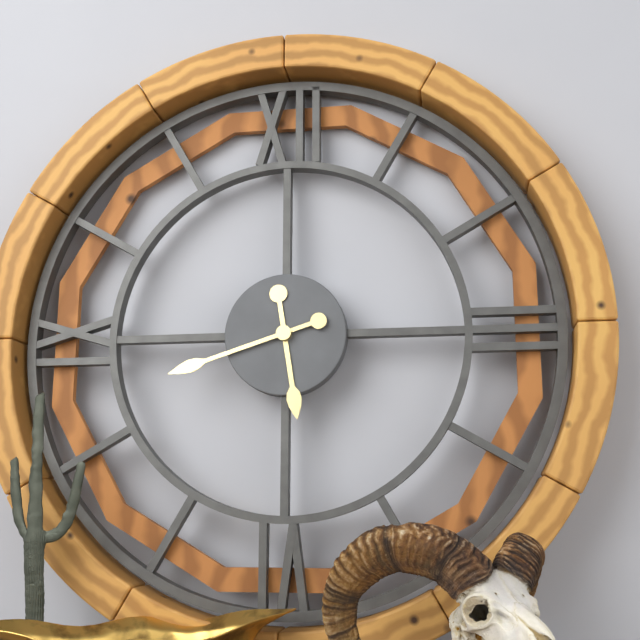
5:42
